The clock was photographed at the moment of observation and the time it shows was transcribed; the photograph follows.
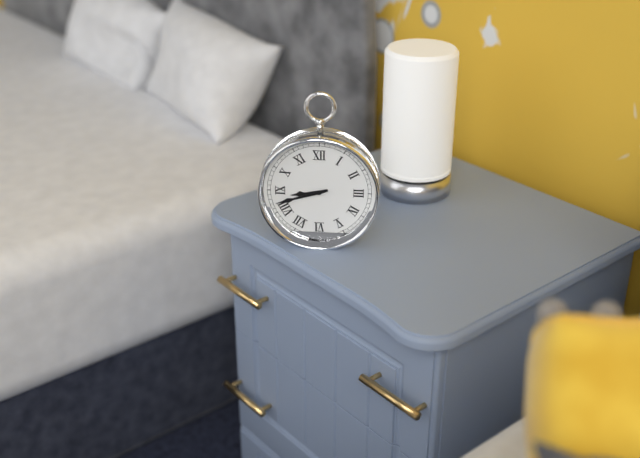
8:42
